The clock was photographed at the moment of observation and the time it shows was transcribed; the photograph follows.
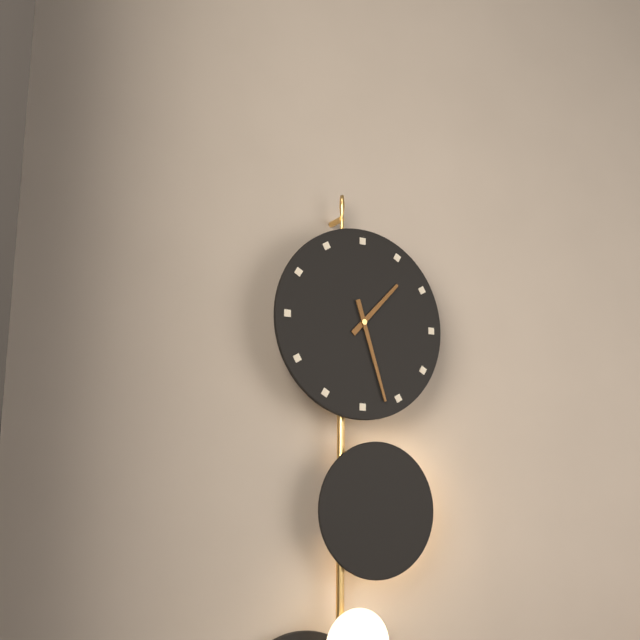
1:27
